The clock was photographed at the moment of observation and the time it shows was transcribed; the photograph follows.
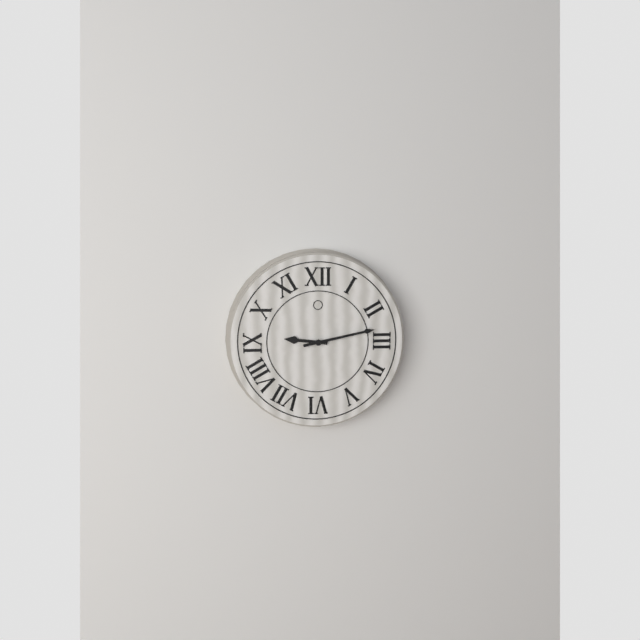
9:13
